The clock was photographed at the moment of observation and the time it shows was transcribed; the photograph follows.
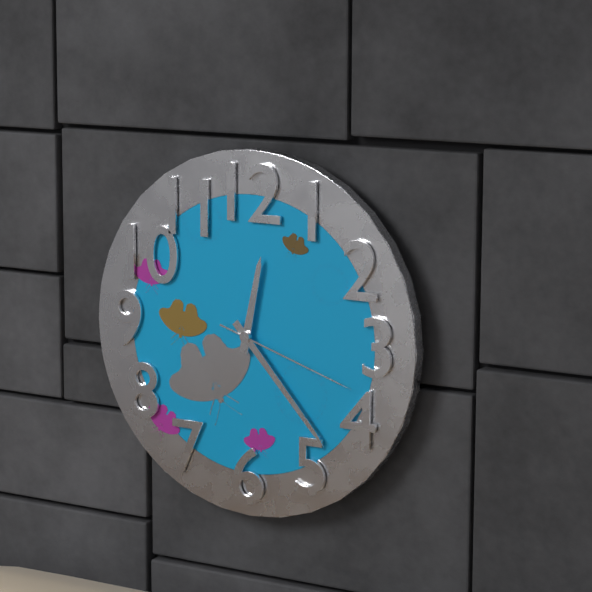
12:23:18
